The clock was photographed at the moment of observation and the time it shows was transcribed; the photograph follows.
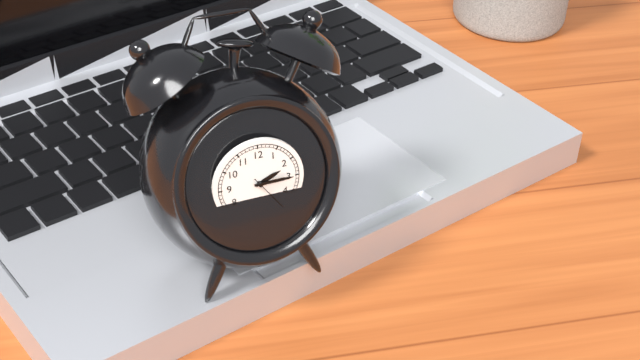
2:15
